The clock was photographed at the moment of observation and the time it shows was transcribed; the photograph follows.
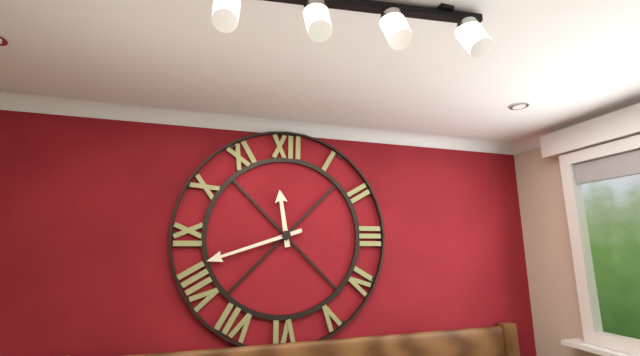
11:42
